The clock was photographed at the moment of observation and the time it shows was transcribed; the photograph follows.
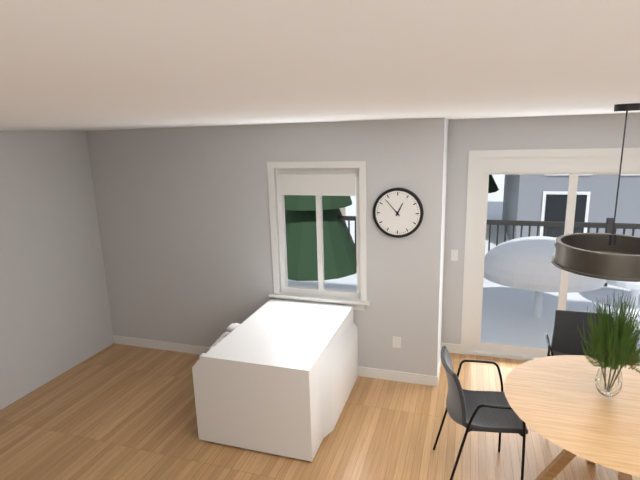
12:53
